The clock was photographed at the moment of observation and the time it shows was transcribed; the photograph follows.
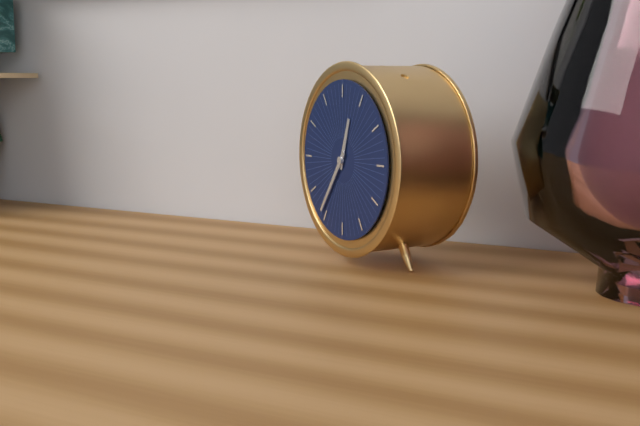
12:36
